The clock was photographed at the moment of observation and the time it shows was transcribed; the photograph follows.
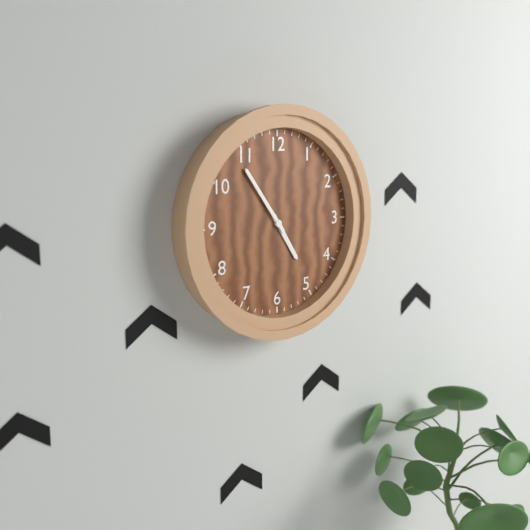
4:54
